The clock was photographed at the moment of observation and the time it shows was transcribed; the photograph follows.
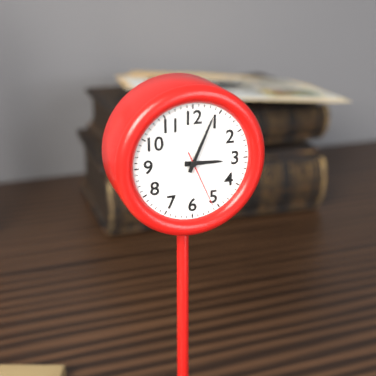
3:04:26
